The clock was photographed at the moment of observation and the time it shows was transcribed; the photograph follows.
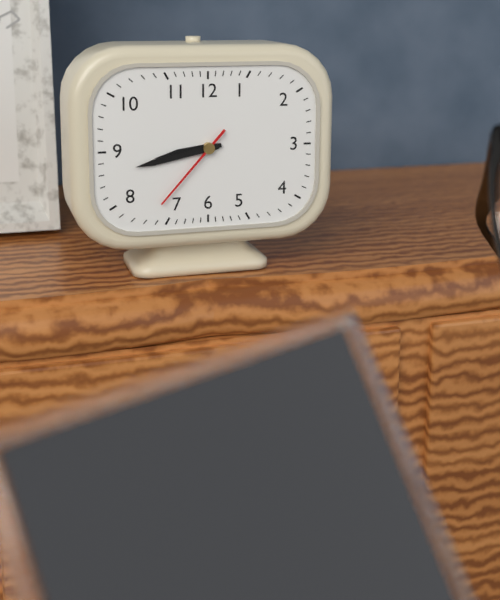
8:43:37
